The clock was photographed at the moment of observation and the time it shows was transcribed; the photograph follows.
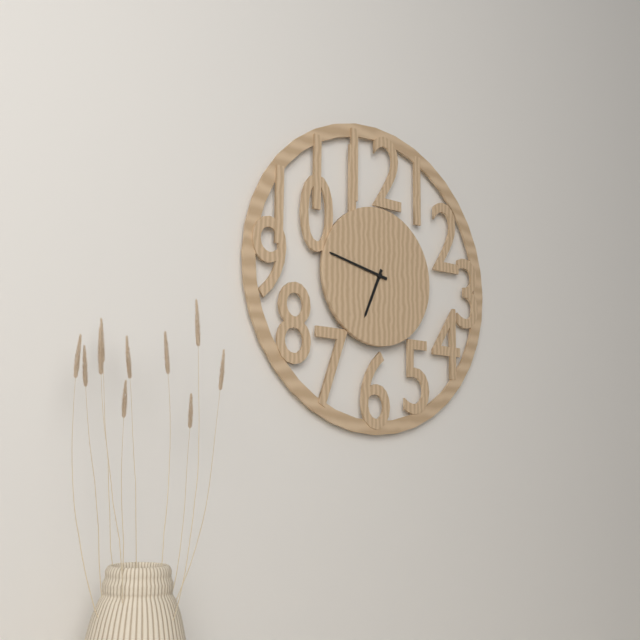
6:47
